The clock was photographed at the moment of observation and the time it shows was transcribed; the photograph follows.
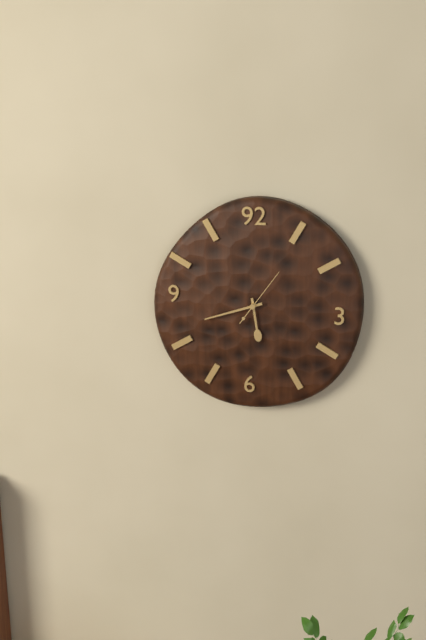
5:42
